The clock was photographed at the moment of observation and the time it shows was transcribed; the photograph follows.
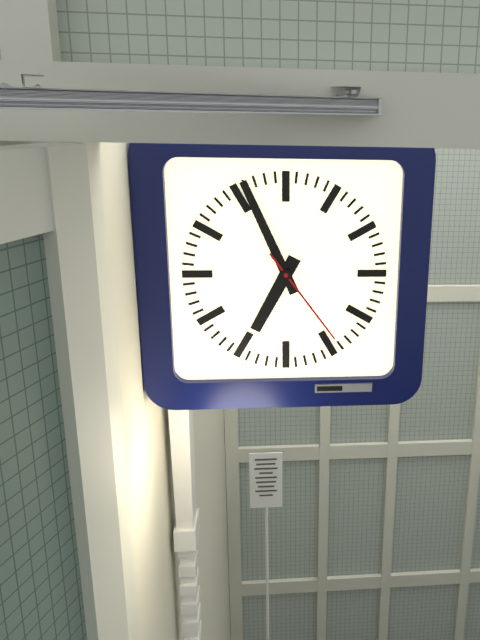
6:56:24
